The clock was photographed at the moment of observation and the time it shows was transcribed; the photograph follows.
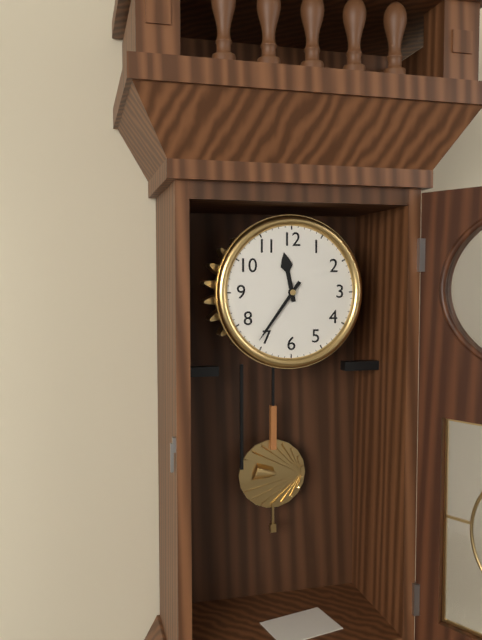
11:36
